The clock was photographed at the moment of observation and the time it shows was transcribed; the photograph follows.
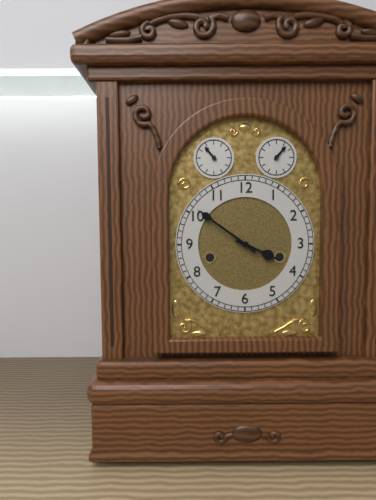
3:51
